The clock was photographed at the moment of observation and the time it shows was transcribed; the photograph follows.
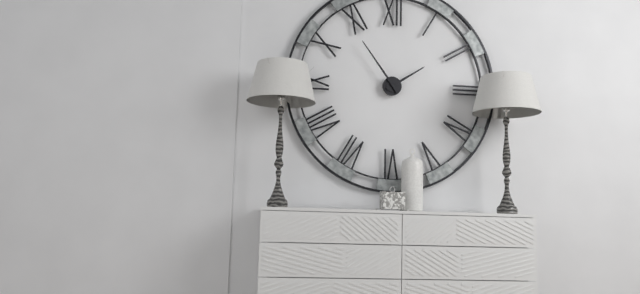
1:54
